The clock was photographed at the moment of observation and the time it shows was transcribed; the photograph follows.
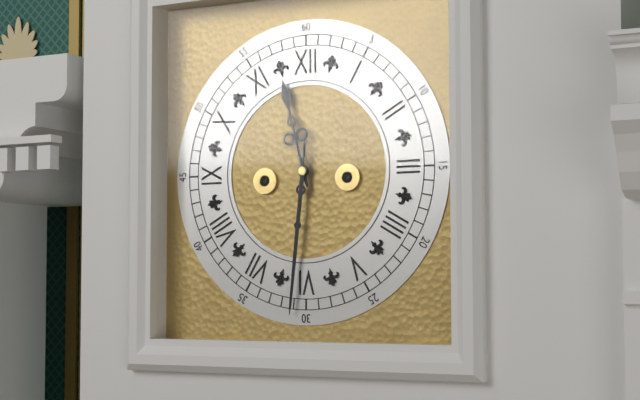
11:31
